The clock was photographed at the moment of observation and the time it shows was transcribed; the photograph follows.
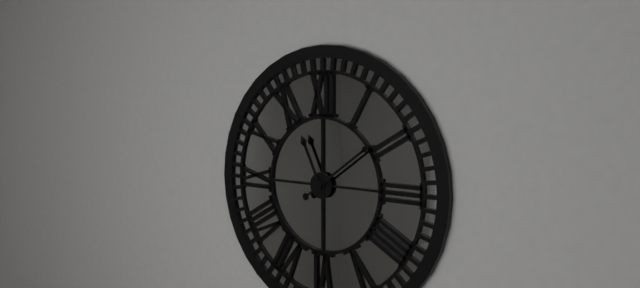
11:09
